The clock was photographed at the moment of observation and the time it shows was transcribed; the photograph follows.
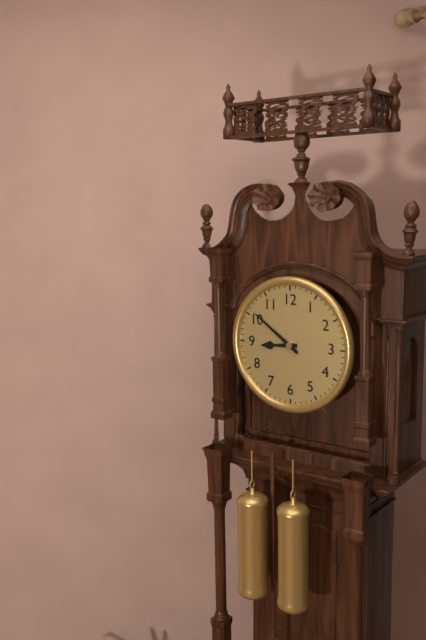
8:51
